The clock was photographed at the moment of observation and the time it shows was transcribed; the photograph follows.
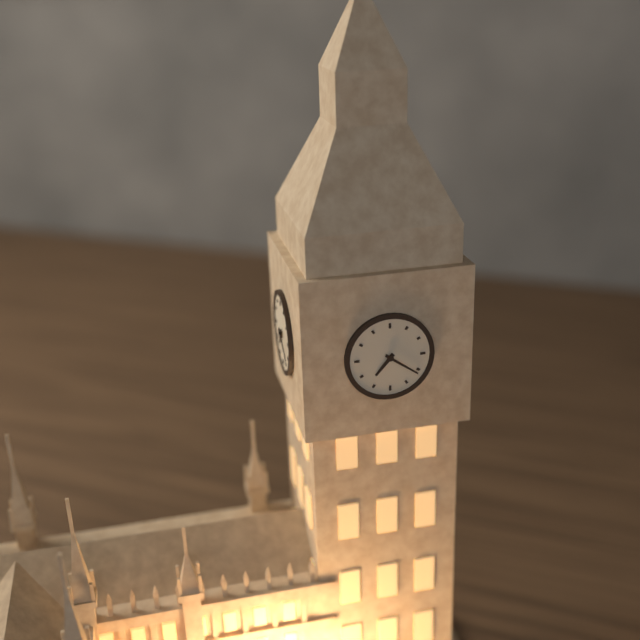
7:21
